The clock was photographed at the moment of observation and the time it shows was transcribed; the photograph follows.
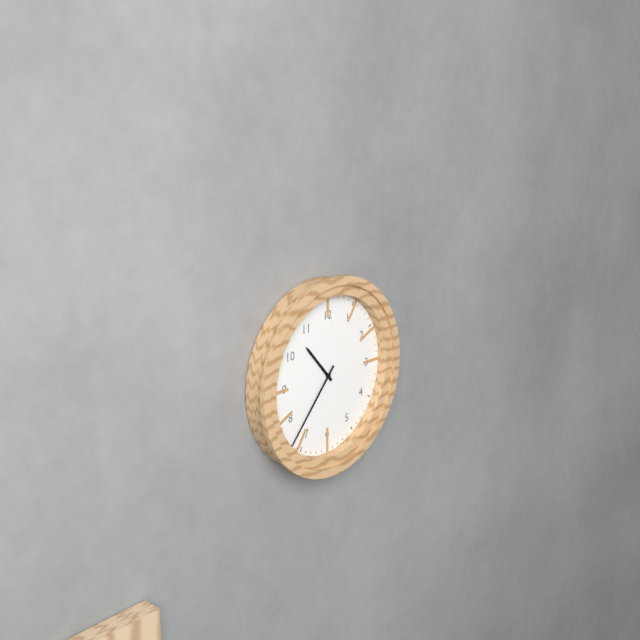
10:37
